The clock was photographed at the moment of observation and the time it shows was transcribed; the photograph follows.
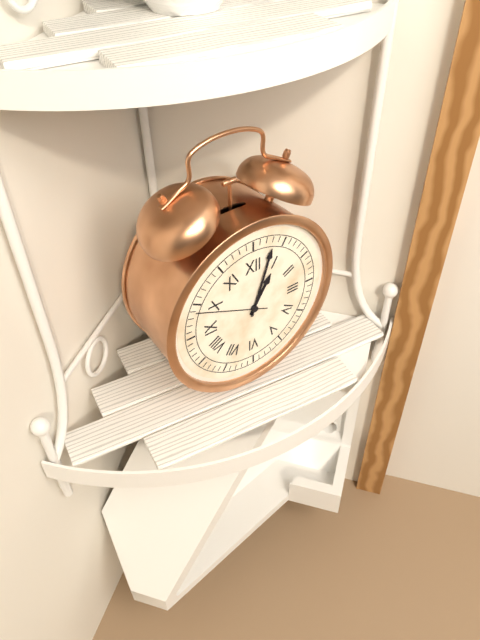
1:03:49
